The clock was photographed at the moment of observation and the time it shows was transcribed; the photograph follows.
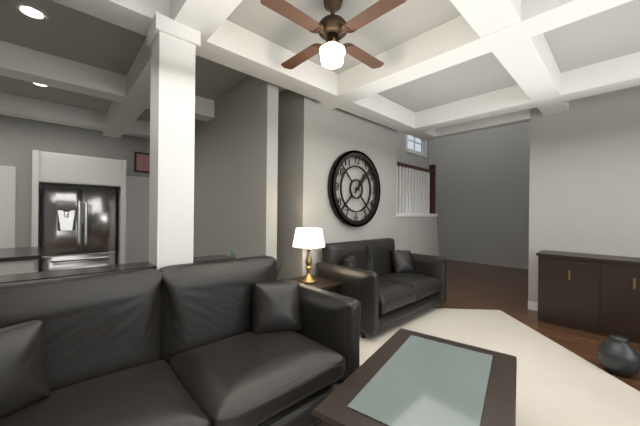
1:08
